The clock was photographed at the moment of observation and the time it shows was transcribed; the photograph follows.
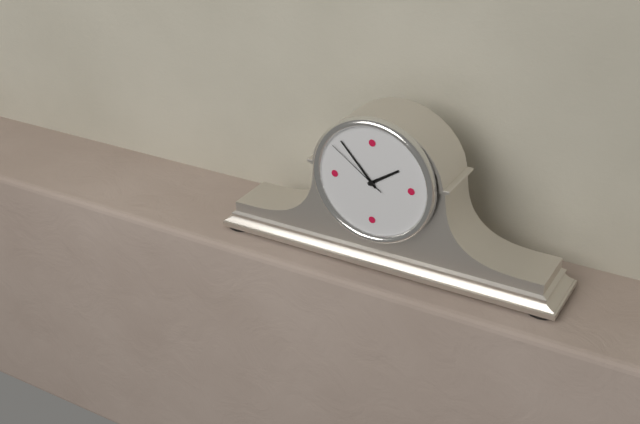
1:53:51
